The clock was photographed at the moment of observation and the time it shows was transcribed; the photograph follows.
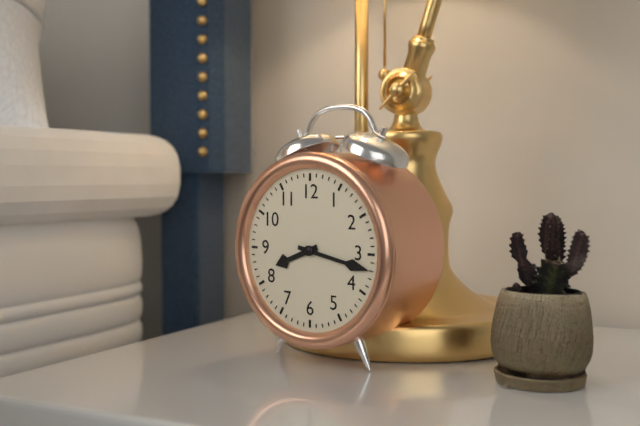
8:17
